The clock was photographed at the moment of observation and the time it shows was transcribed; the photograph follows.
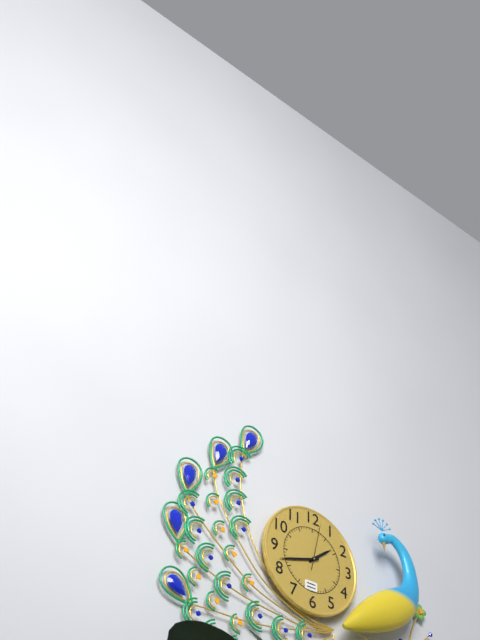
1:42:02
